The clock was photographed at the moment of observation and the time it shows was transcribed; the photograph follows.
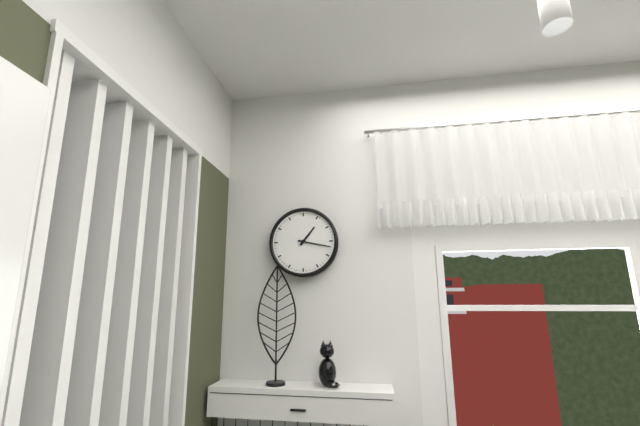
1:17
